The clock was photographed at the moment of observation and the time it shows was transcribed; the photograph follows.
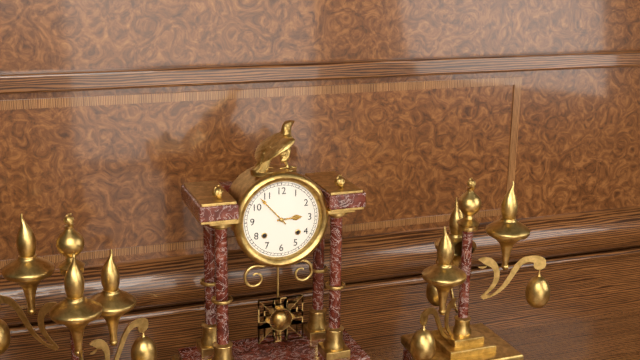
2:53
